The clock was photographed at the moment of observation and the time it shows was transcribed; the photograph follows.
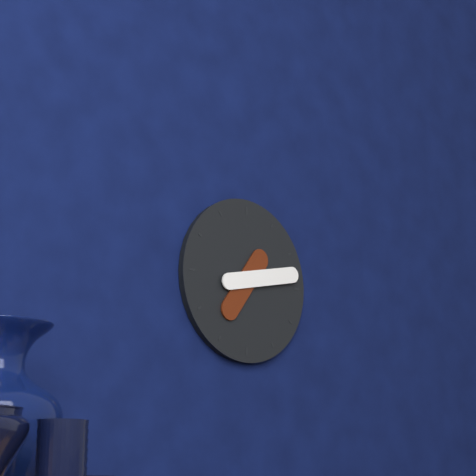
7:13
